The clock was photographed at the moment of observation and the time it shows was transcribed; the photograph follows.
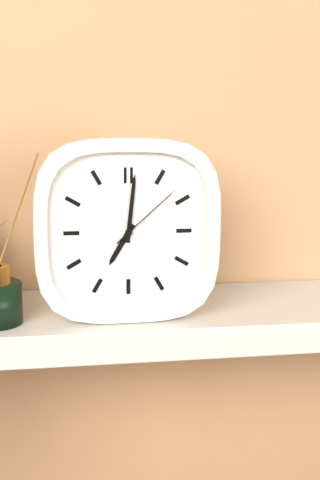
7:01:08
